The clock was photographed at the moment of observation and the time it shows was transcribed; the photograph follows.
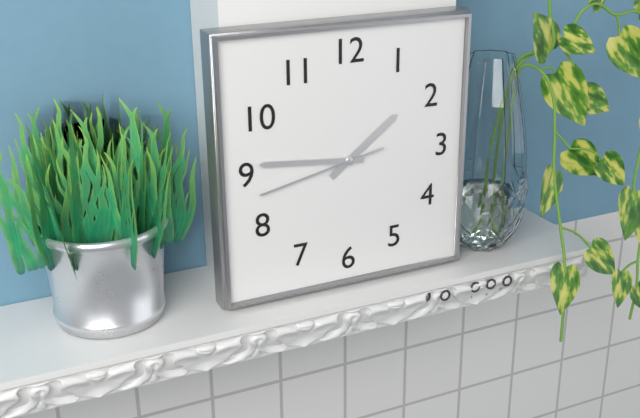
1:46:43
